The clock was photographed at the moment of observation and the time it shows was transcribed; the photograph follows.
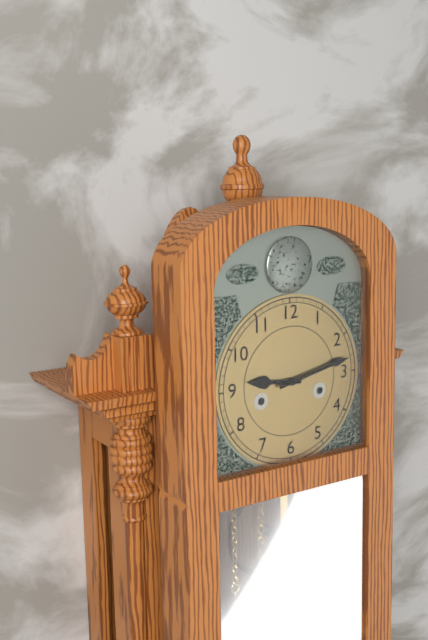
9:13
